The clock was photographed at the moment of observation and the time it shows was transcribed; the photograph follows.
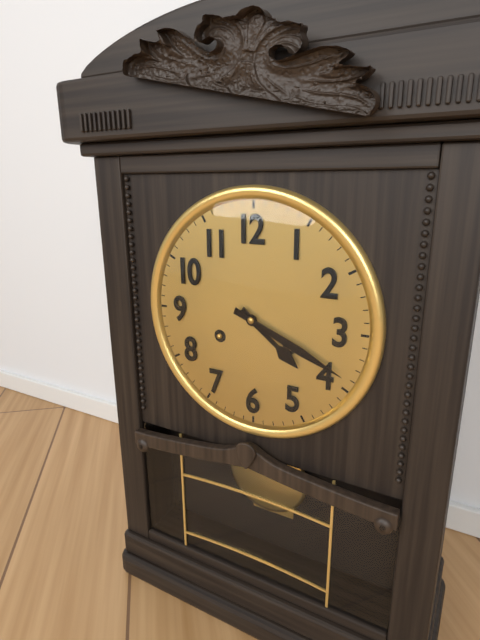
4:19
